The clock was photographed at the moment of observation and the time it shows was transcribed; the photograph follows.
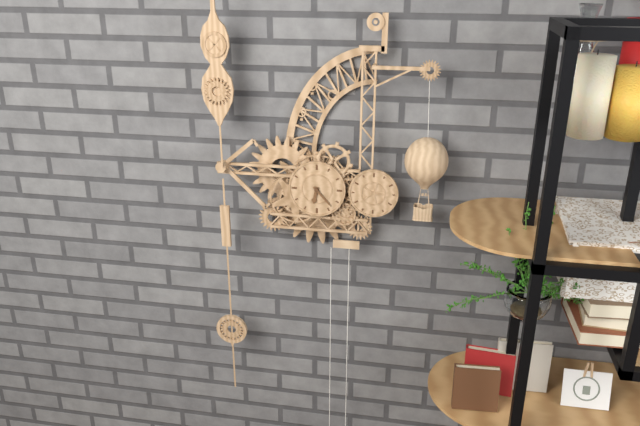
6:23
